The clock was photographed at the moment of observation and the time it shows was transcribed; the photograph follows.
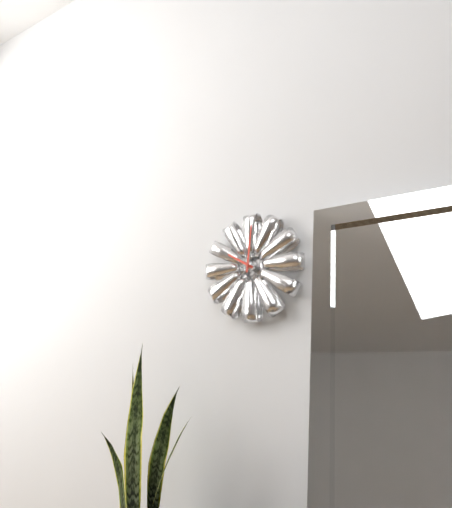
10:01
